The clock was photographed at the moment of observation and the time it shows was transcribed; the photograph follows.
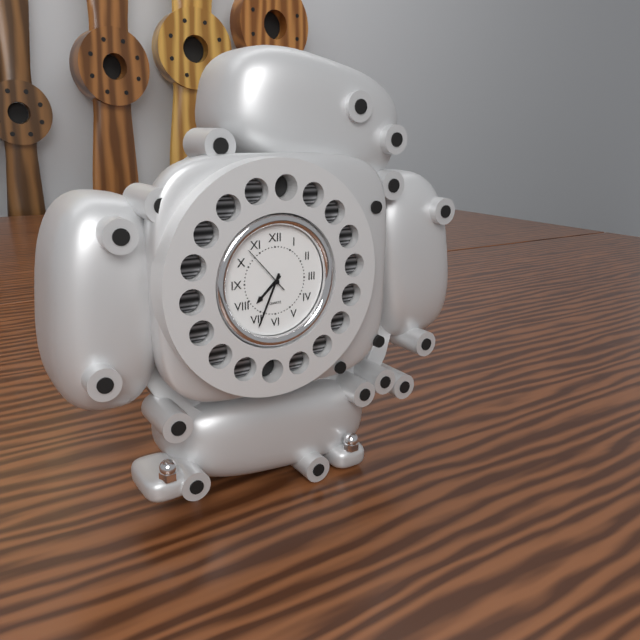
7:34:53
